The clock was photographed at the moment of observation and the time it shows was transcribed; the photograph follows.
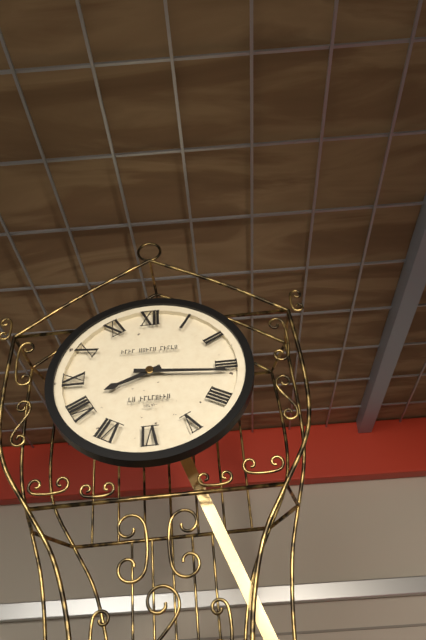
8:16
